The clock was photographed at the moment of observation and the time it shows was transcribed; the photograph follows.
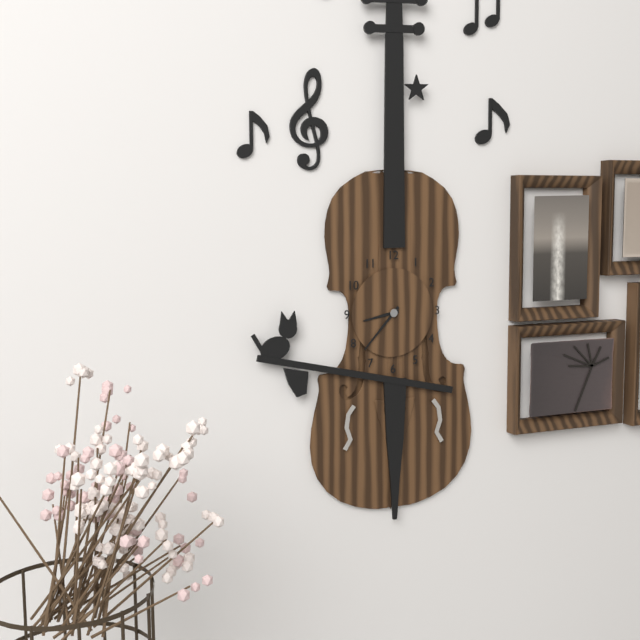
8:37
